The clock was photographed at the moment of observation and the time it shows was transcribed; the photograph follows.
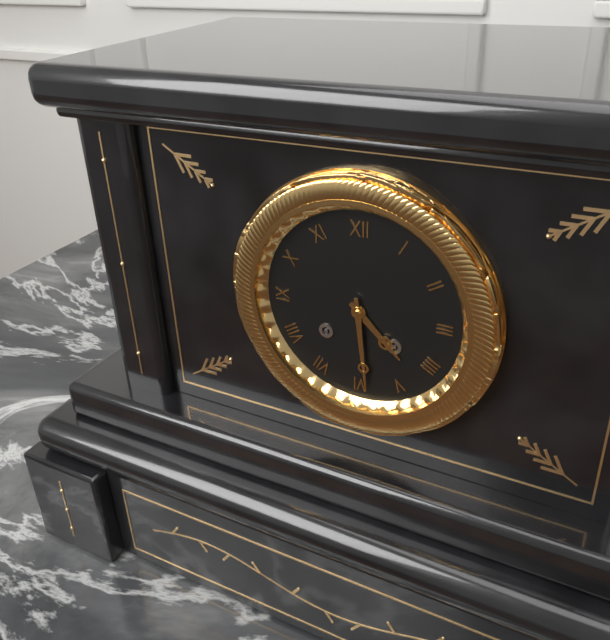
4:29
